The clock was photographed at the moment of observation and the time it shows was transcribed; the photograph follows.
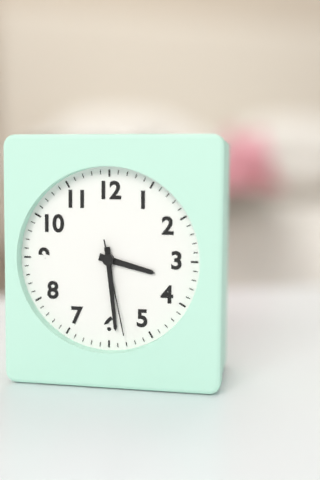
3:29:28
